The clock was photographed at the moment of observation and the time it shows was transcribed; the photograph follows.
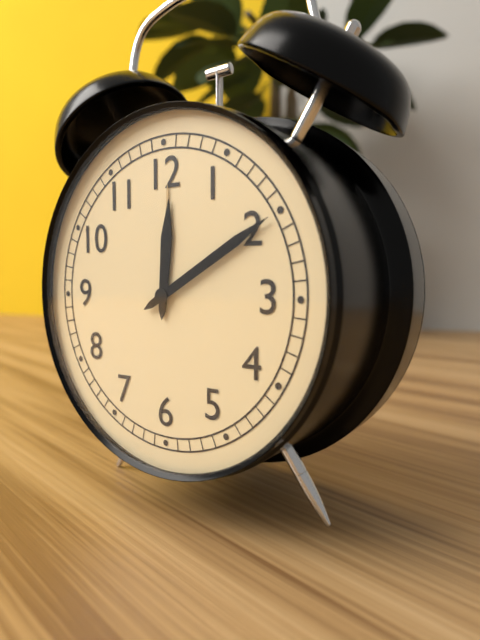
12:10
